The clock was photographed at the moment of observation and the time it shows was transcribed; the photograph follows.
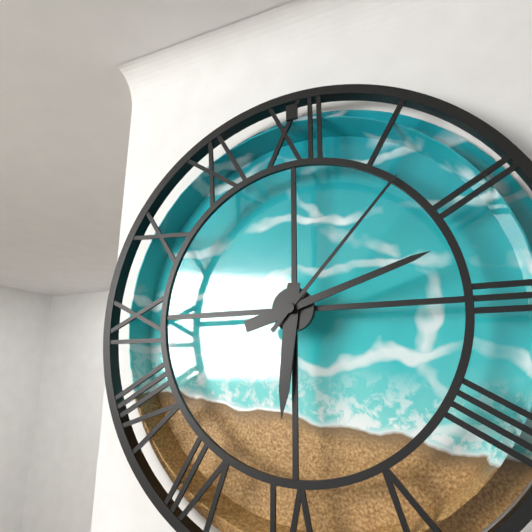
6:12:07
